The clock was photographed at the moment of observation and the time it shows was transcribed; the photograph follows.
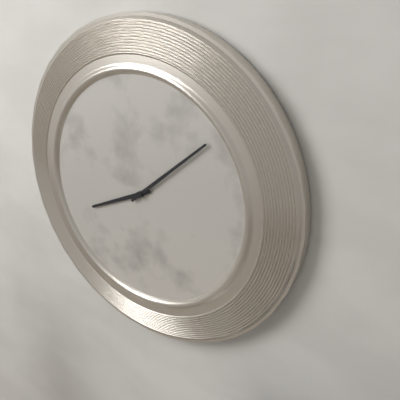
8:08
